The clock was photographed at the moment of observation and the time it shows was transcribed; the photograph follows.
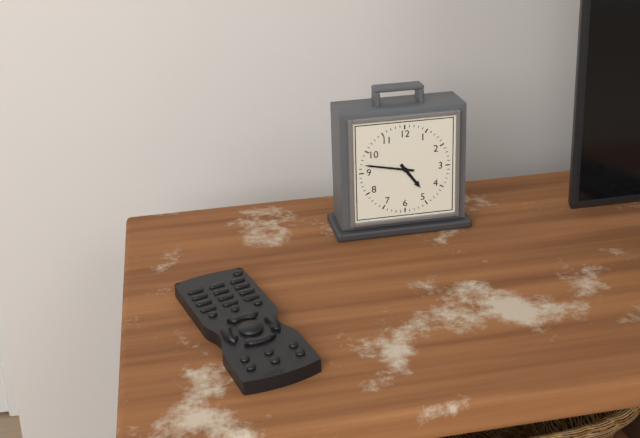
4:47
